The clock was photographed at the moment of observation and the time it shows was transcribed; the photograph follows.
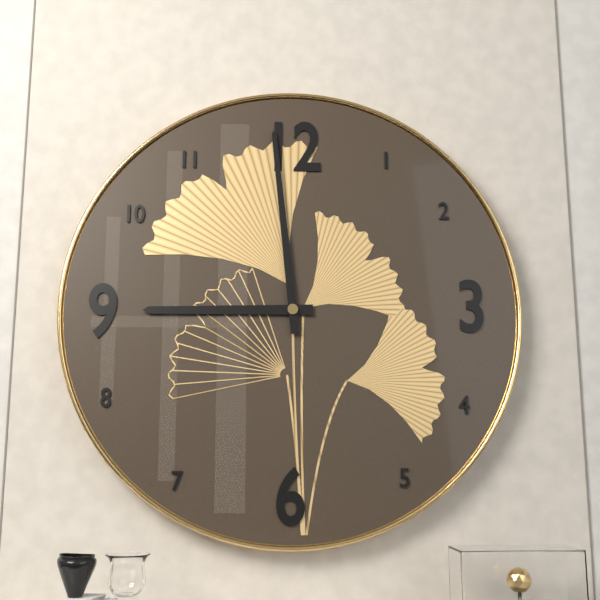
8:59
